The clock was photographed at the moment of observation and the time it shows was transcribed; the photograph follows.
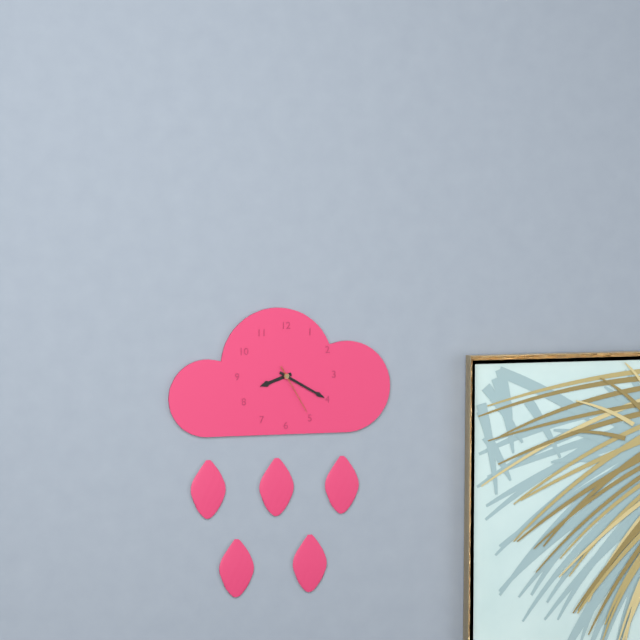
8:20:25
